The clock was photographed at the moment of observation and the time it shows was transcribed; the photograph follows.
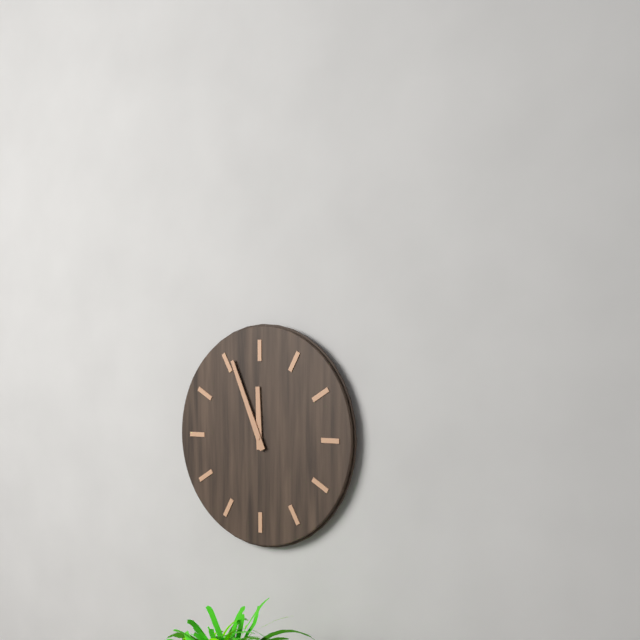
11:56
